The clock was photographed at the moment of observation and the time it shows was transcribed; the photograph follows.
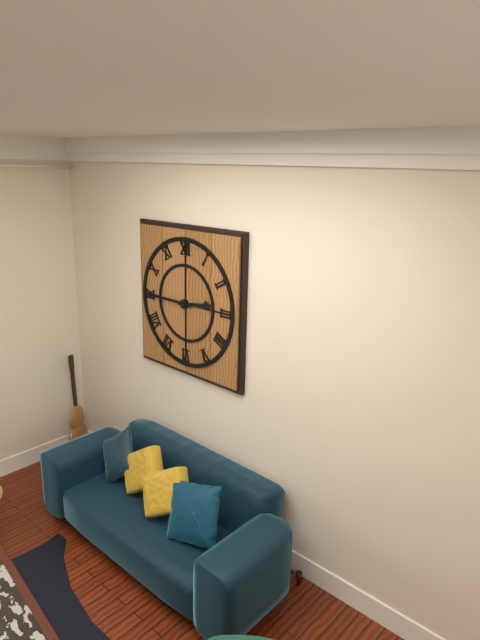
2:45
